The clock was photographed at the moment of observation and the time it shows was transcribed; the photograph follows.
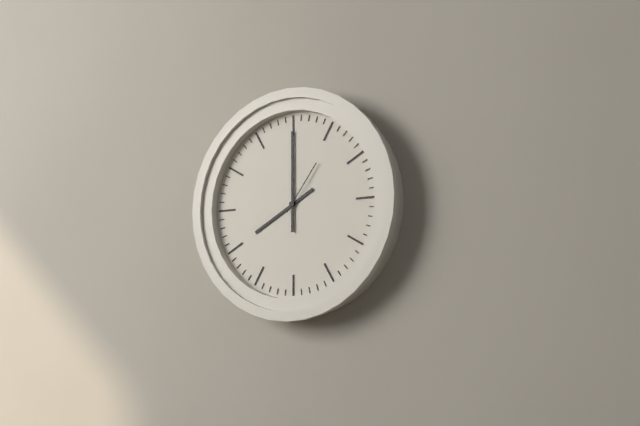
8:00:06
